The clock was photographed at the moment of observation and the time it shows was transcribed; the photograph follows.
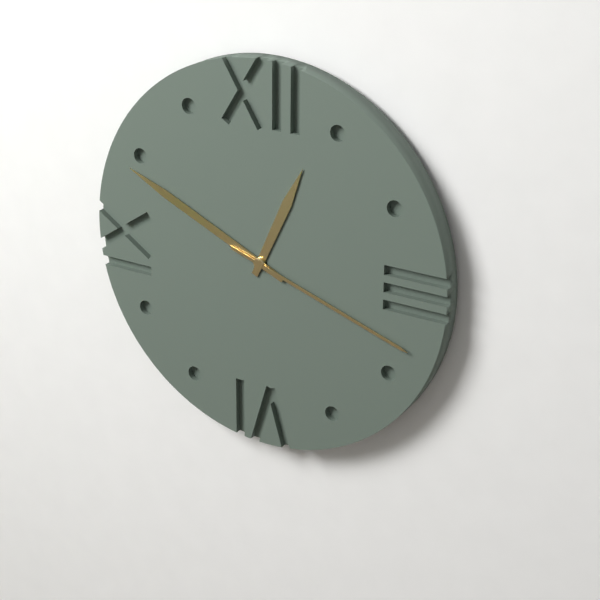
12:49:18
